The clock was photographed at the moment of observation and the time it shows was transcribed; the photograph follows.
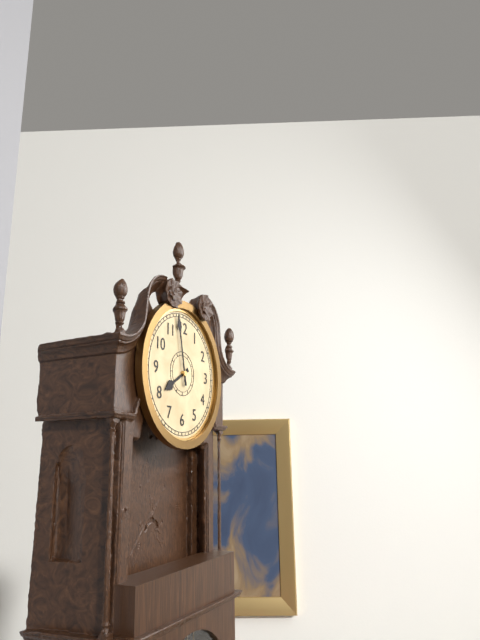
7:58
